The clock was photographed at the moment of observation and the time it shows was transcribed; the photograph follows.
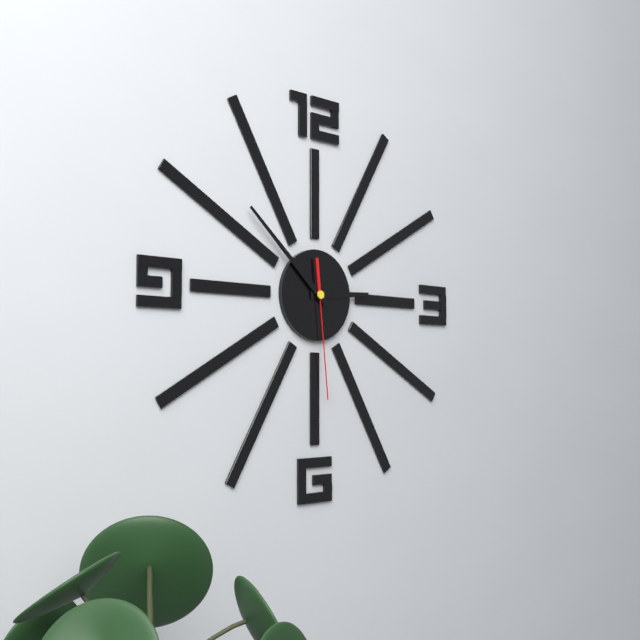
2:52:29
